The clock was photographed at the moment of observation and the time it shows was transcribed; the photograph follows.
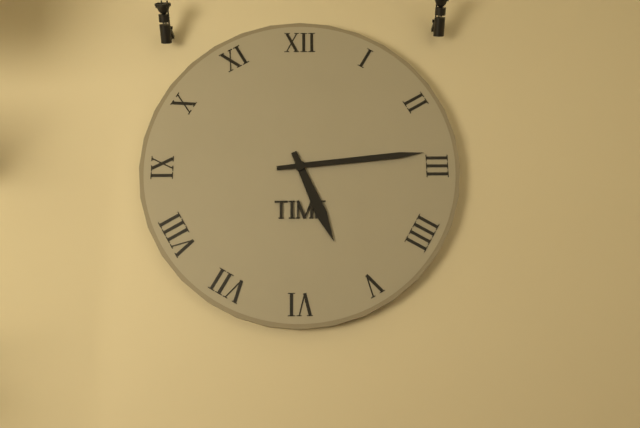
5:14
